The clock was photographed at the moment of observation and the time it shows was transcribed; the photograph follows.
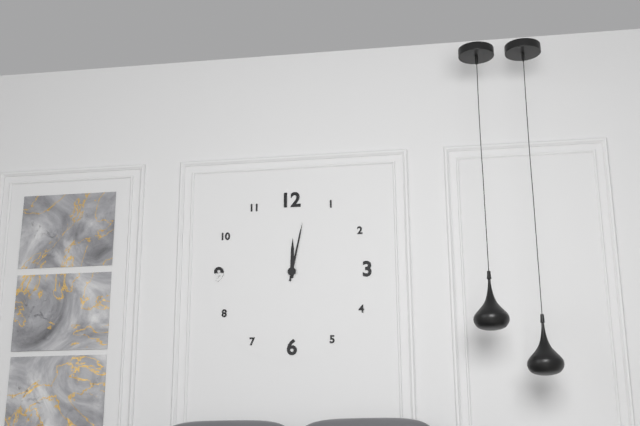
12:02
